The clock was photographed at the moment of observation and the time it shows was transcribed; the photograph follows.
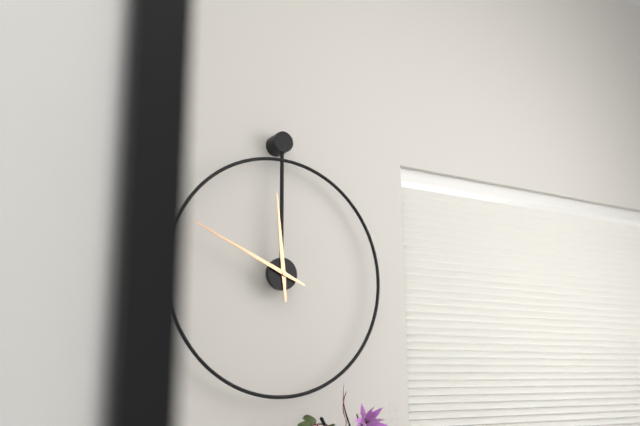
11:49
